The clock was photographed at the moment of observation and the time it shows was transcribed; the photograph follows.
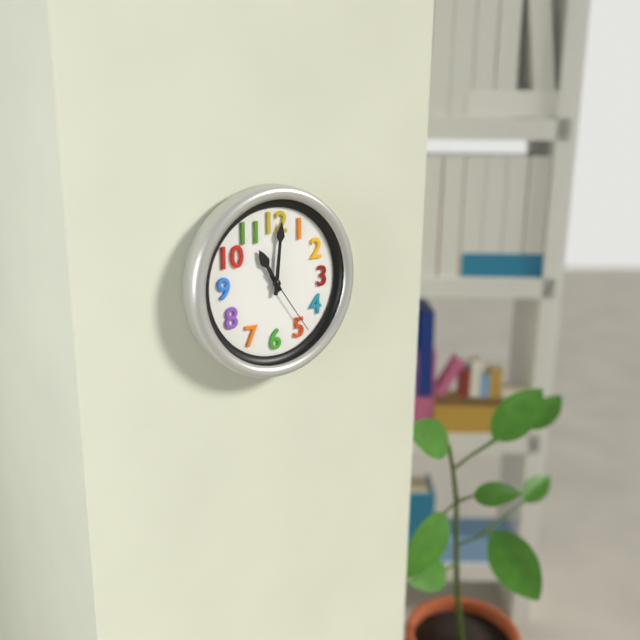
11:01:24
